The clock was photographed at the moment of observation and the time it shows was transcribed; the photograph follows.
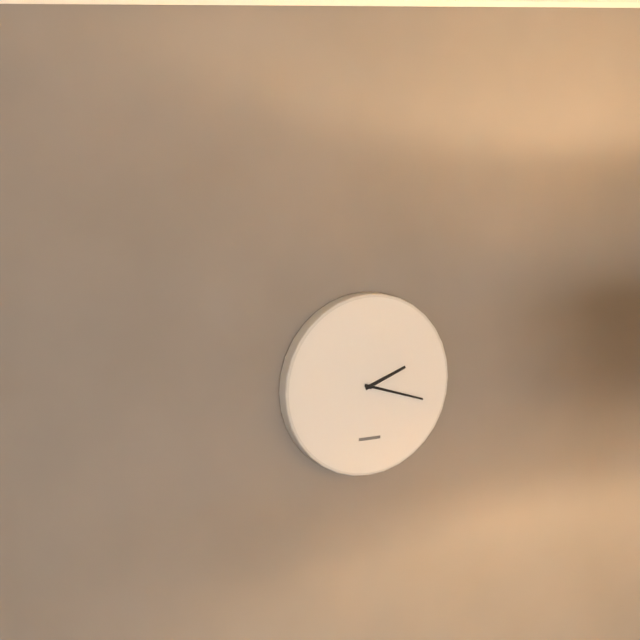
2:18
